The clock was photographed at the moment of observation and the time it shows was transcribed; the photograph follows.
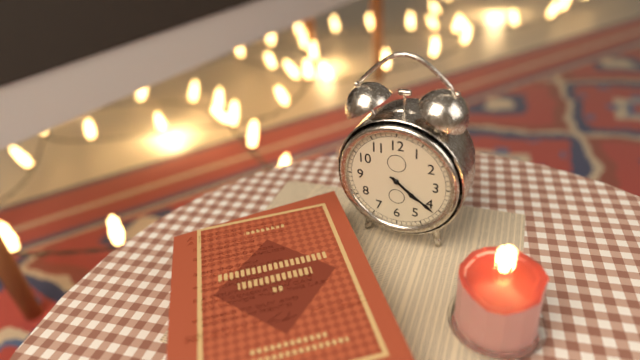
4:21
